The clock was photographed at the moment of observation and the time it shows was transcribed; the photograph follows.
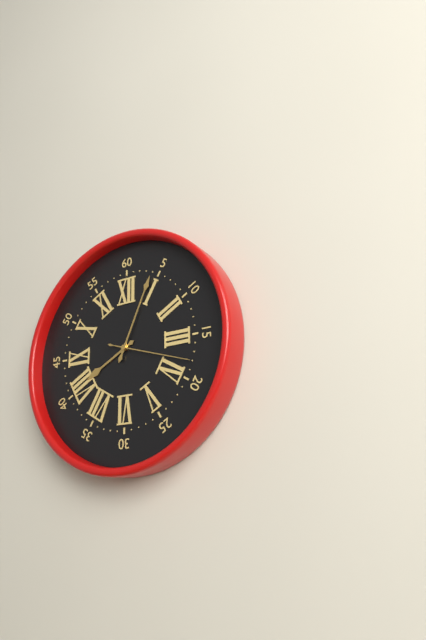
8:04:18
